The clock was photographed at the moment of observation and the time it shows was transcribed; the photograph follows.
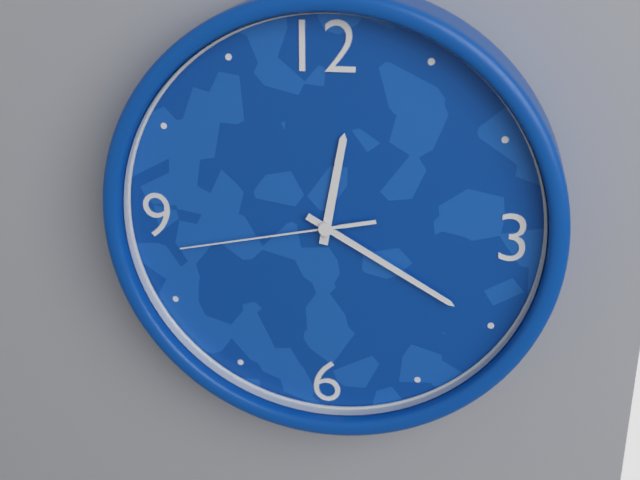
12:20:43
